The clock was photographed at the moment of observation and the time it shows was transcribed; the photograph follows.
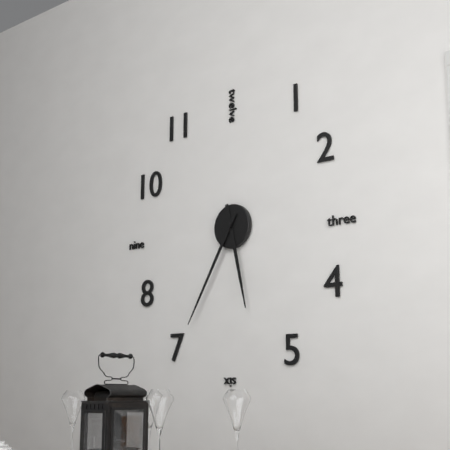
5:35
